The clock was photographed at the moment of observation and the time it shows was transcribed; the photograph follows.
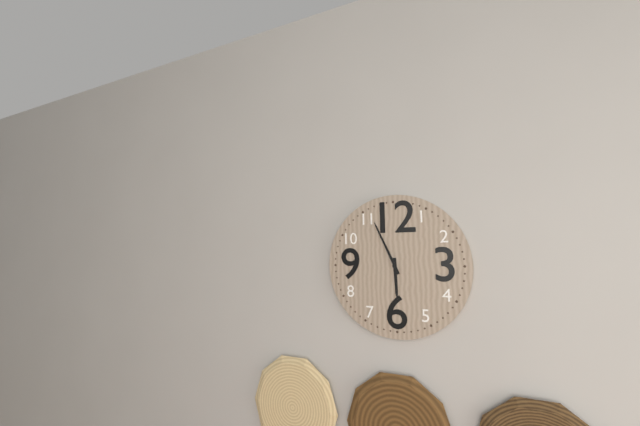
5:56
